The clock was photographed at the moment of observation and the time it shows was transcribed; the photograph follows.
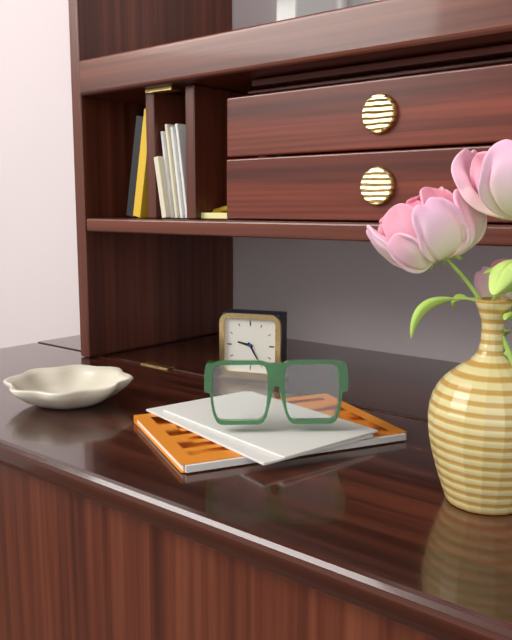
9:25
